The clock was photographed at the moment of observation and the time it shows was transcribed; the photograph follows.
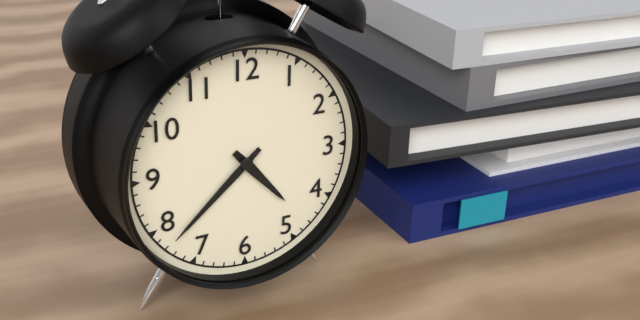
4:38
